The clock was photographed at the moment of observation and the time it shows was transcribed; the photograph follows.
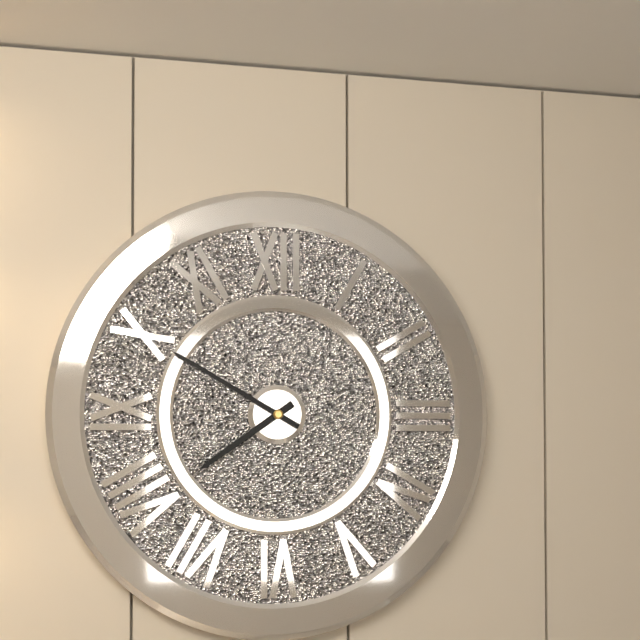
7:50
